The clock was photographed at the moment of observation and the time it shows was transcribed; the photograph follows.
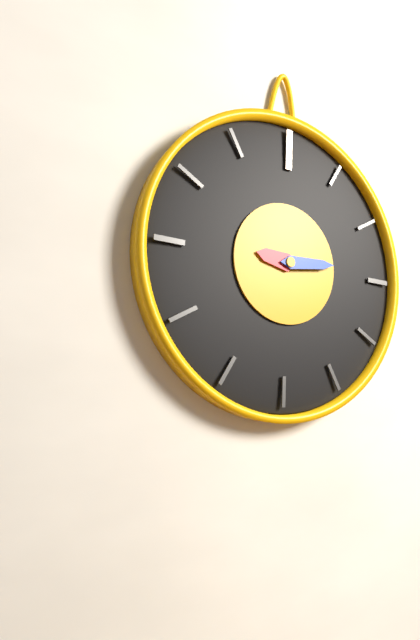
9:14
